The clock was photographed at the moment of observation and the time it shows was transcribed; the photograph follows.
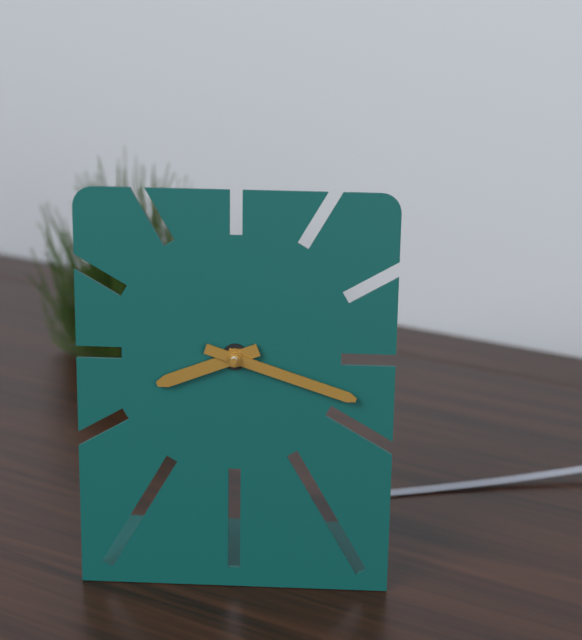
8:18
